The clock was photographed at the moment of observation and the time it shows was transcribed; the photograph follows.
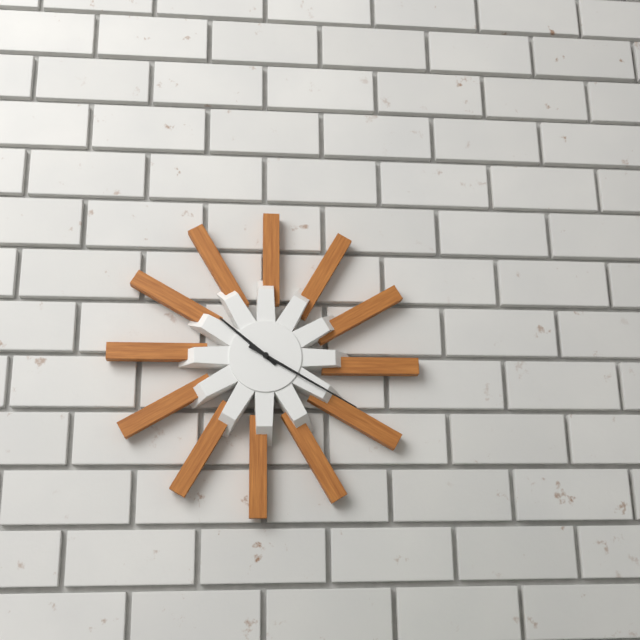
10:20
